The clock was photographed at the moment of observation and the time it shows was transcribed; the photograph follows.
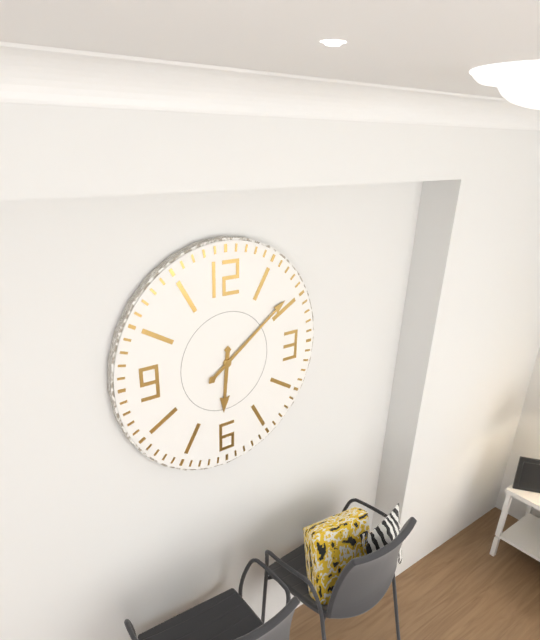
6:09
